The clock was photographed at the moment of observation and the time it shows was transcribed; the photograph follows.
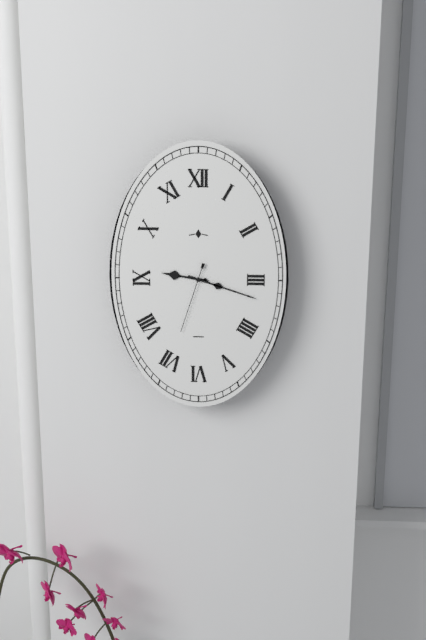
9:18:33
